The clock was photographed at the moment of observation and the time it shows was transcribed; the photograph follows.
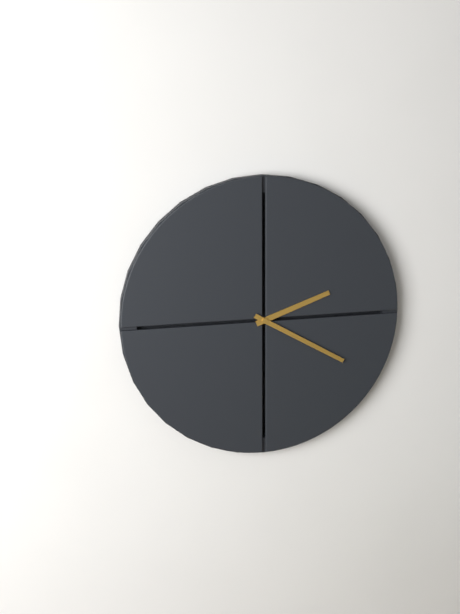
2:20
